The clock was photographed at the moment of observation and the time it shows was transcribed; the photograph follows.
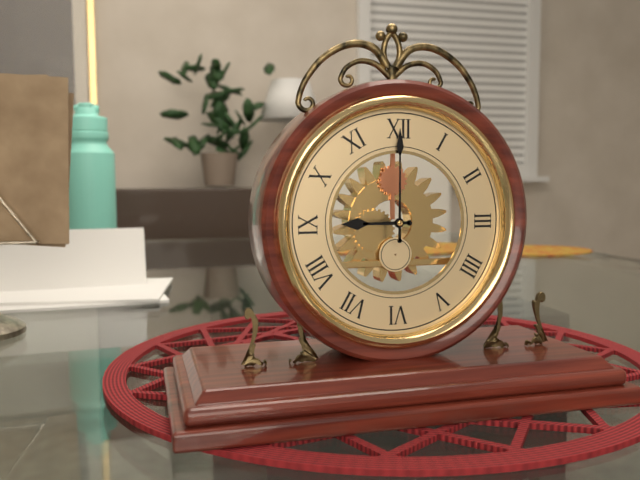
9:00
